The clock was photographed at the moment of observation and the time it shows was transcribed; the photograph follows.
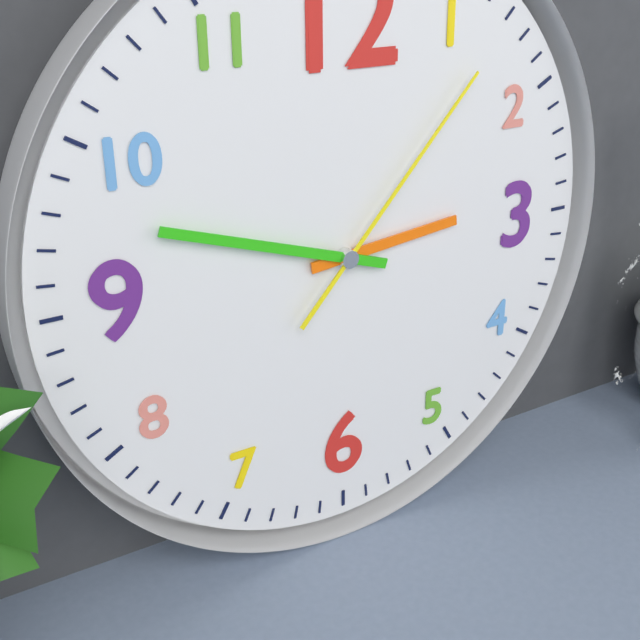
2:48:07
